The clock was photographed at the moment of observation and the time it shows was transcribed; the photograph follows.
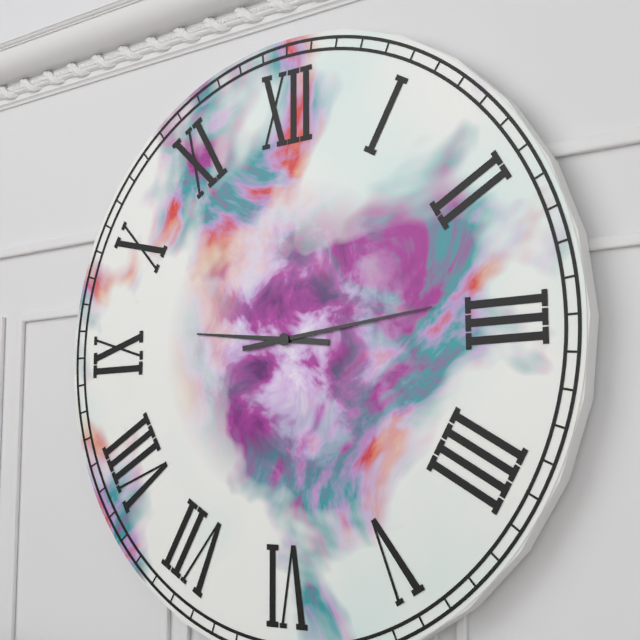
9:14
